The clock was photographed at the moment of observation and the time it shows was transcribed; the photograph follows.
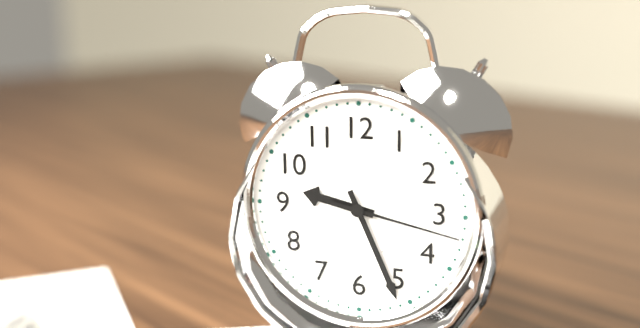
9:26:17
